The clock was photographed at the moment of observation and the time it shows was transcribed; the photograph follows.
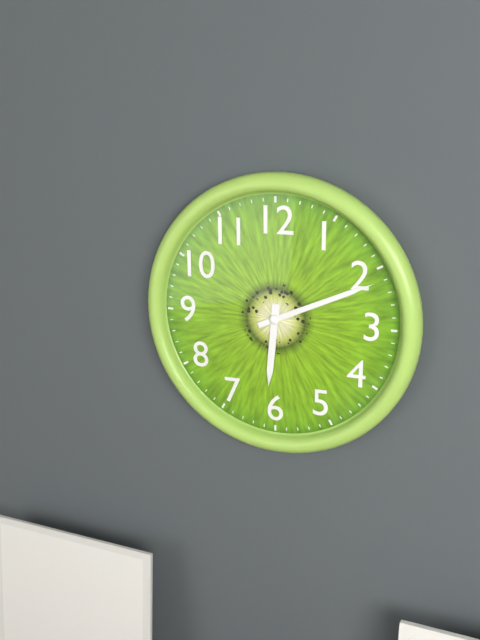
6:11
